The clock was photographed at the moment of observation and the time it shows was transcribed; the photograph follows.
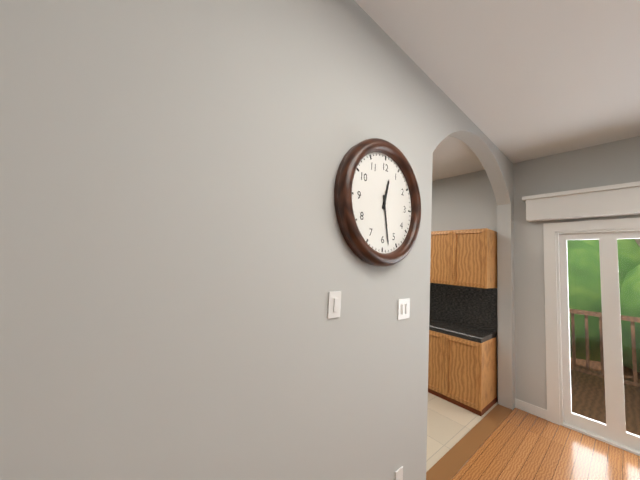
12:28
